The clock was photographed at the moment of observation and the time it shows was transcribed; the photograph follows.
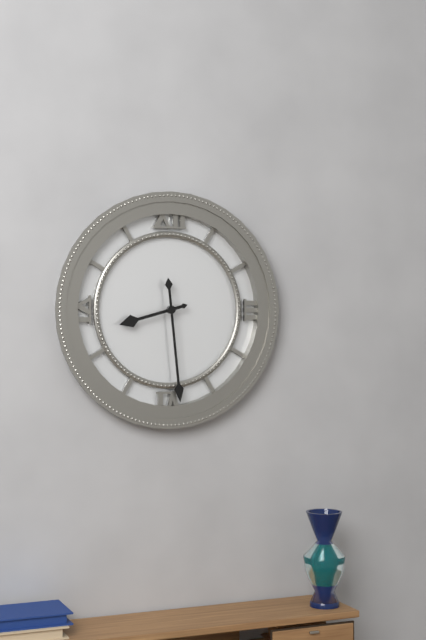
8:29
